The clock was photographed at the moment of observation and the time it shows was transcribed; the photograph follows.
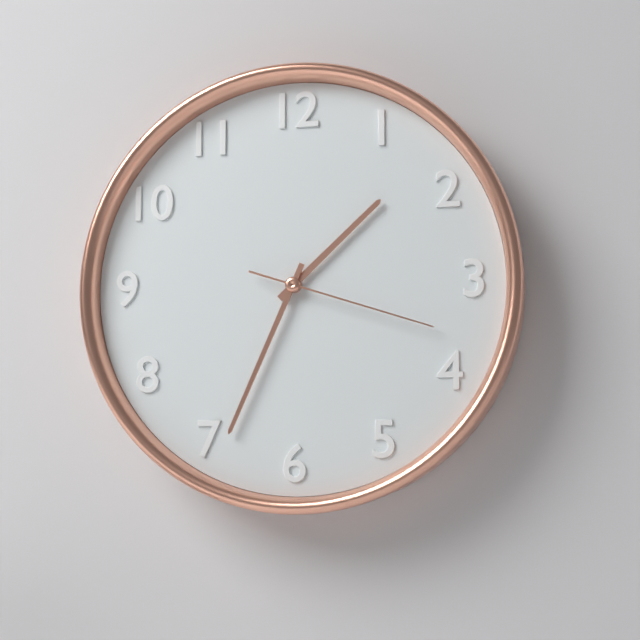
1:34:18
